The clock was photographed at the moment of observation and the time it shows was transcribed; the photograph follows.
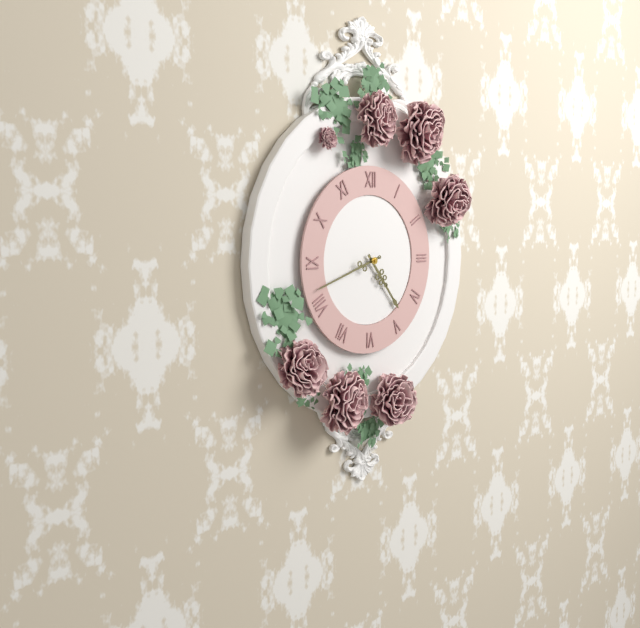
4:42
